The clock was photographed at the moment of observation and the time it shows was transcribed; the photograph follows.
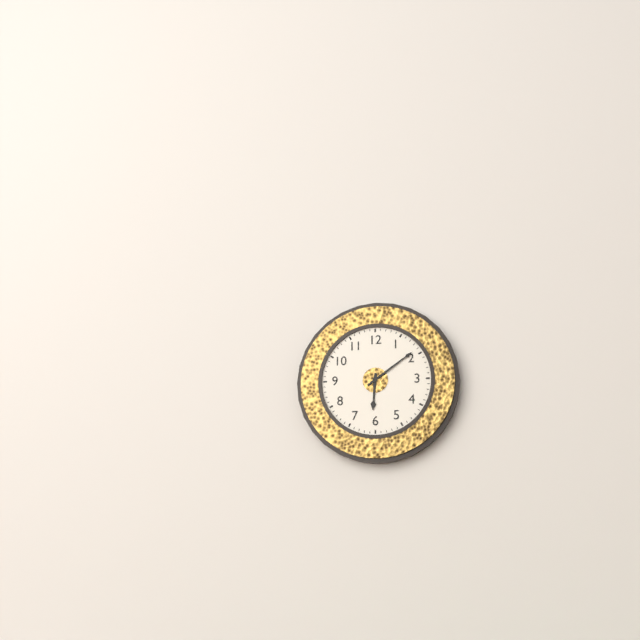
6:09
